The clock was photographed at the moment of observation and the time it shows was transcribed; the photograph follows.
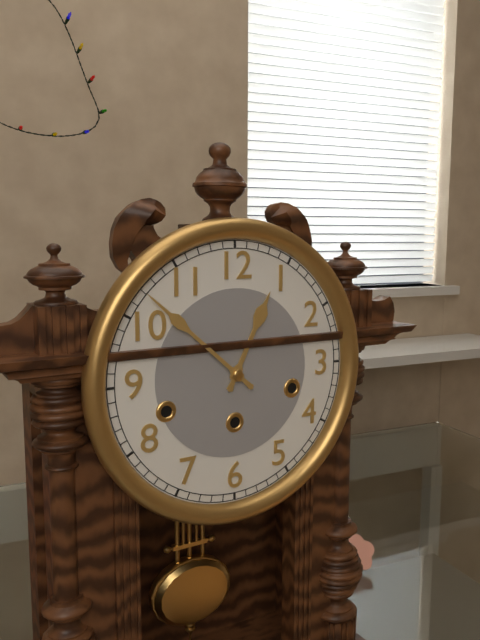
12:52
